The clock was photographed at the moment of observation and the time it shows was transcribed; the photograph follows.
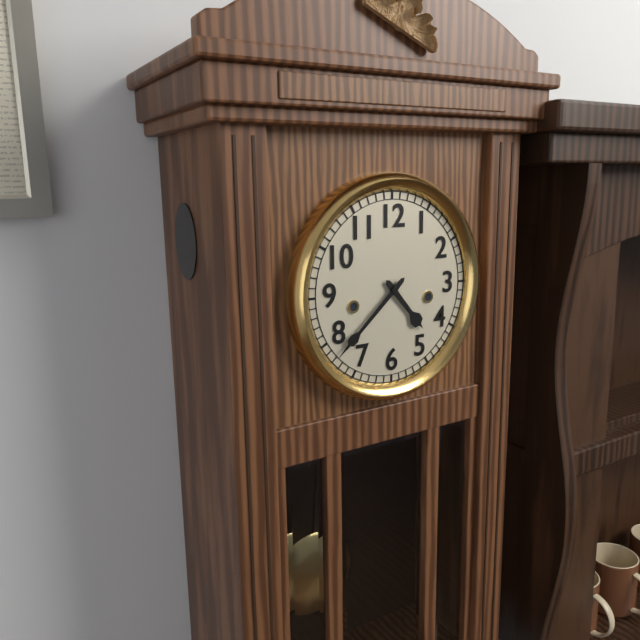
4:38
